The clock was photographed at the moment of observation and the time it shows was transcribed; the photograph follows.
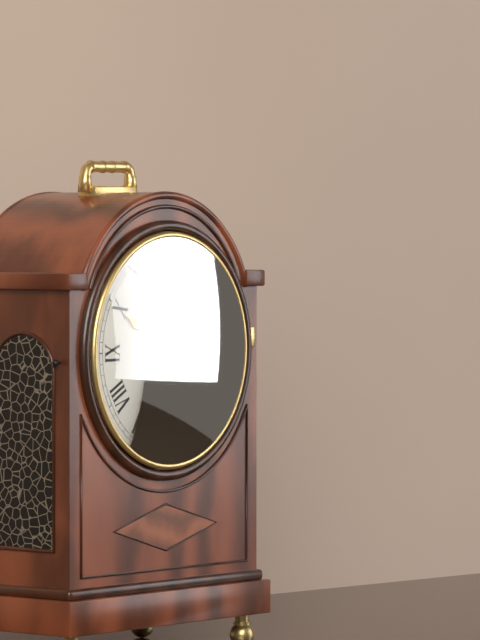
9:56
